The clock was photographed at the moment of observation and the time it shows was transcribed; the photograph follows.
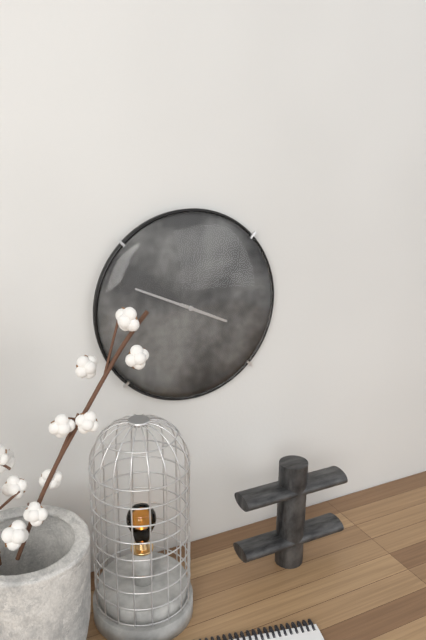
3:49
